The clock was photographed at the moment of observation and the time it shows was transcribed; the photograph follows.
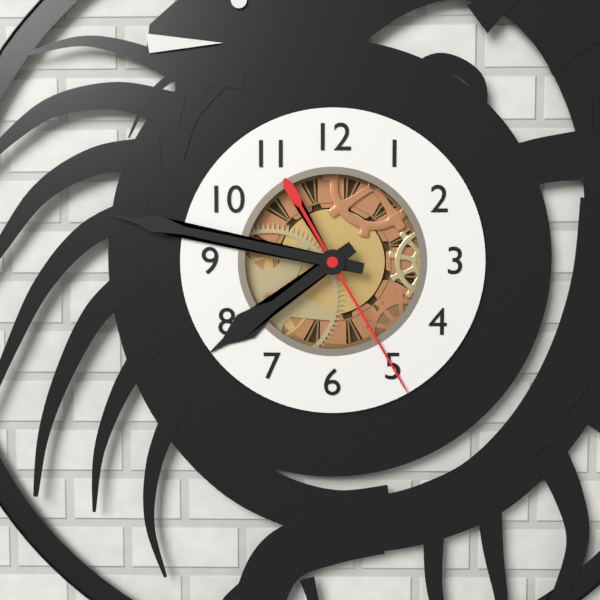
7:47:25
